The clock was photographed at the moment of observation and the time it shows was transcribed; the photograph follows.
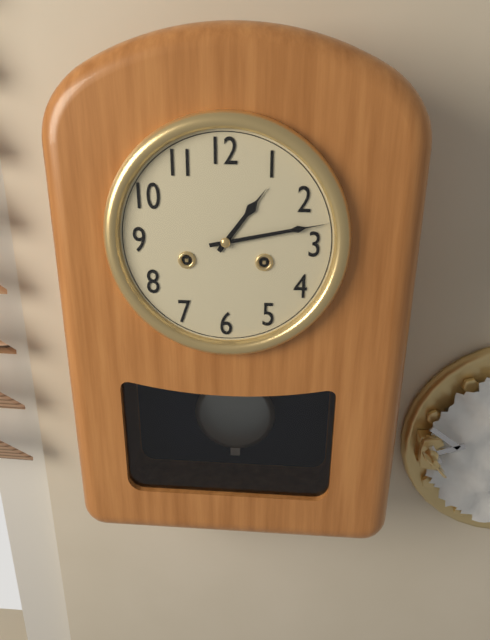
1:13
